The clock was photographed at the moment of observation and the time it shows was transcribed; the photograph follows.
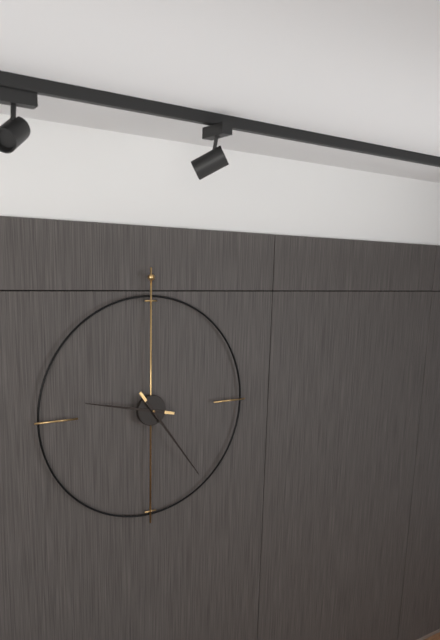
9:24
